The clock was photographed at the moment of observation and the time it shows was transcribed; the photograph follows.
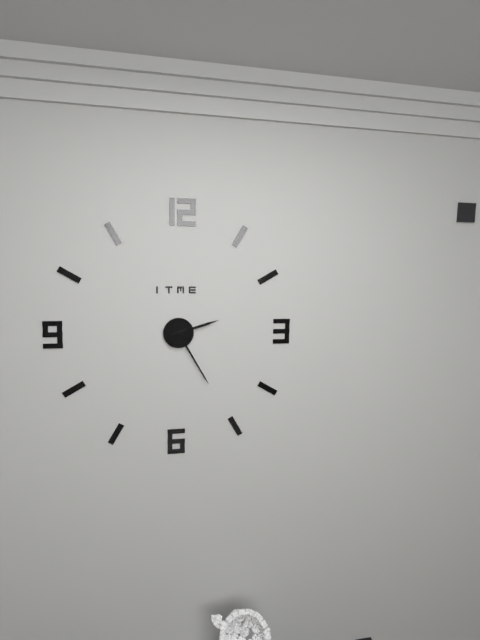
2:25
